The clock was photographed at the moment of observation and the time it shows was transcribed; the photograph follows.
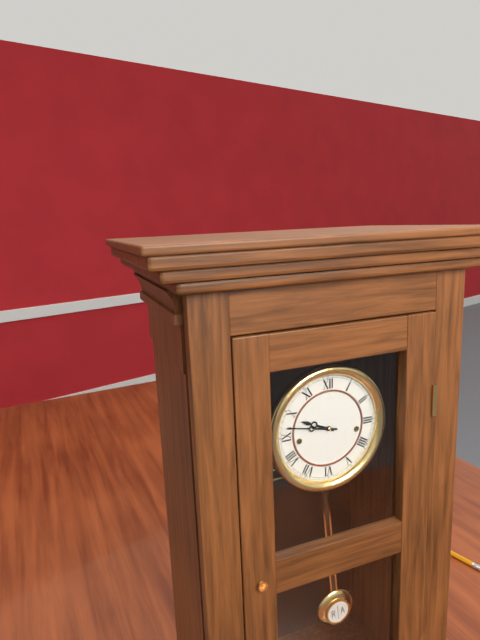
9:47
